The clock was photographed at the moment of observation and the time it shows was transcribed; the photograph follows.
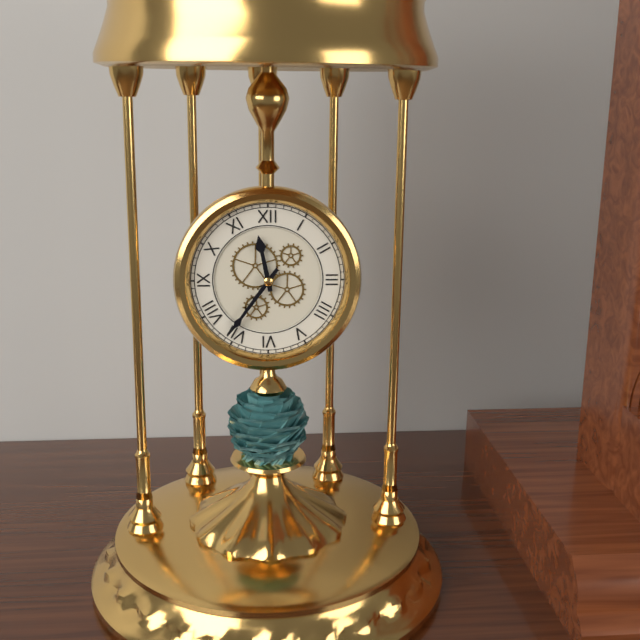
11:36
